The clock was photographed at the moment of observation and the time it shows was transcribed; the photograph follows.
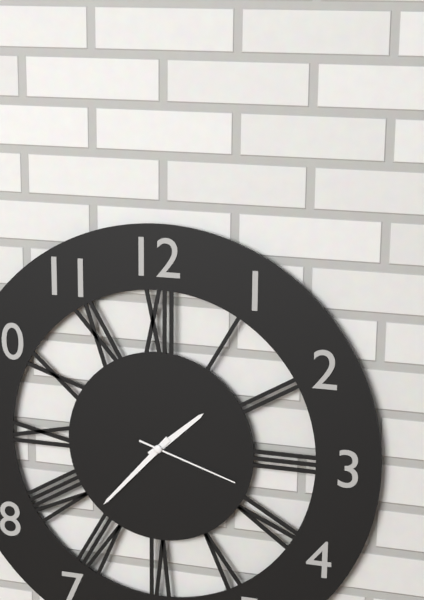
1:37:18
